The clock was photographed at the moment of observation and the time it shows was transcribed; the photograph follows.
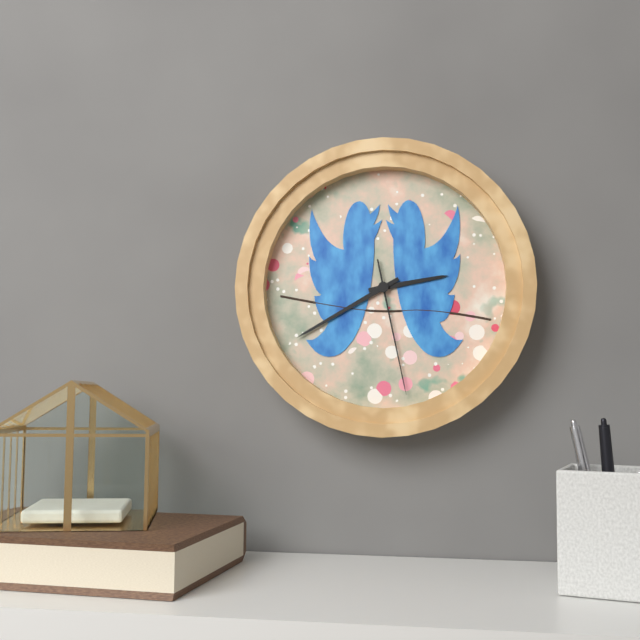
2:40:28
